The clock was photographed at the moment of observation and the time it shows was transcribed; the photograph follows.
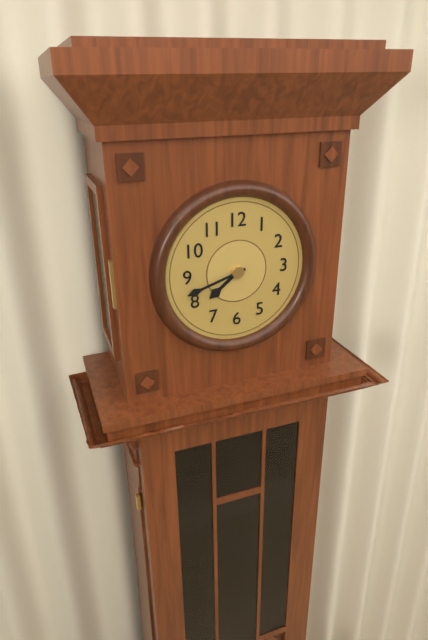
7:42
